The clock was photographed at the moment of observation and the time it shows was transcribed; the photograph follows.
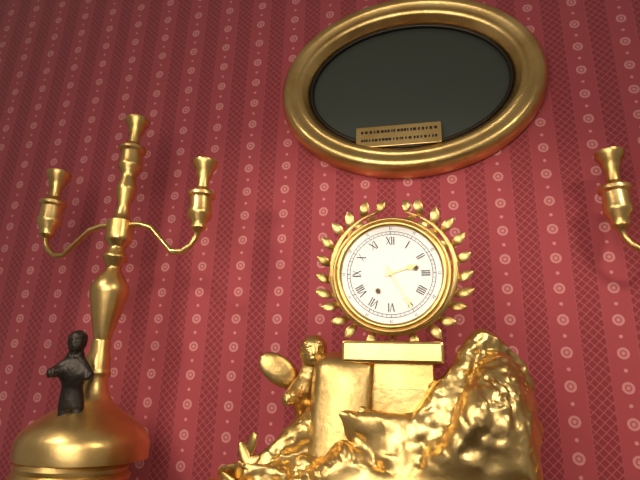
2:25
